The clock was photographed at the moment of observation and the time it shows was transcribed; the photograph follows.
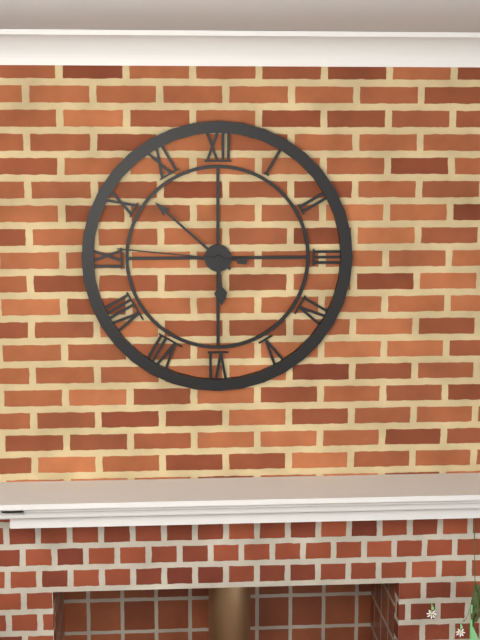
5:52:46
